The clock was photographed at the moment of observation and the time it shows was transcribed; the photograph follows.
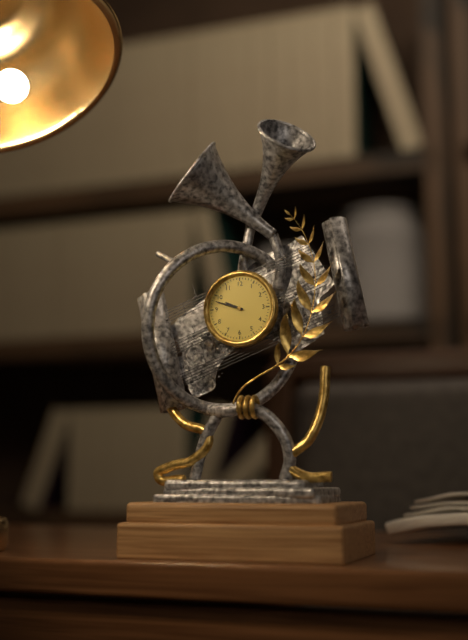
9:48
